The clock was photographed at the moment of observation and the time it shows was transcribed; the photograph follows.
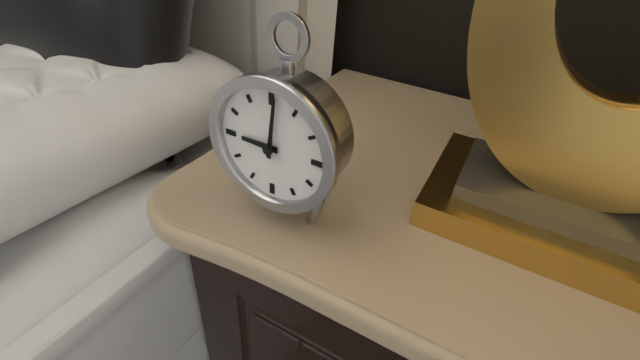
9:01
